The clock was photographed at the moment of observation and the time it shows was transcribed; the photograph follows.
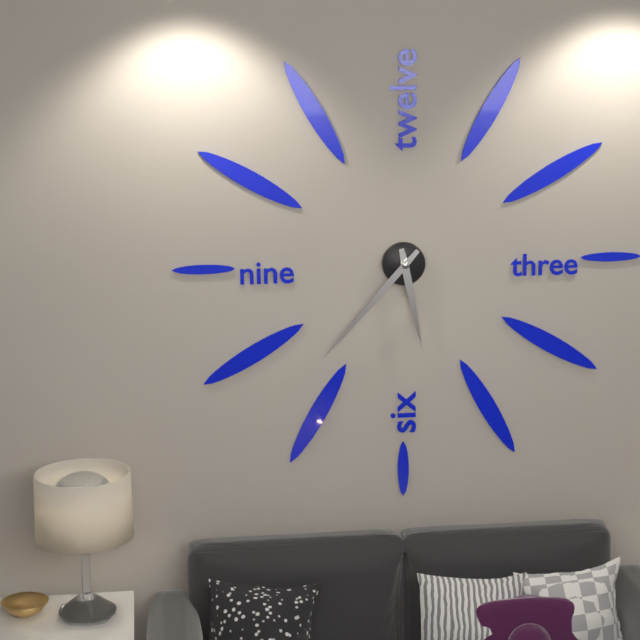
5:37
